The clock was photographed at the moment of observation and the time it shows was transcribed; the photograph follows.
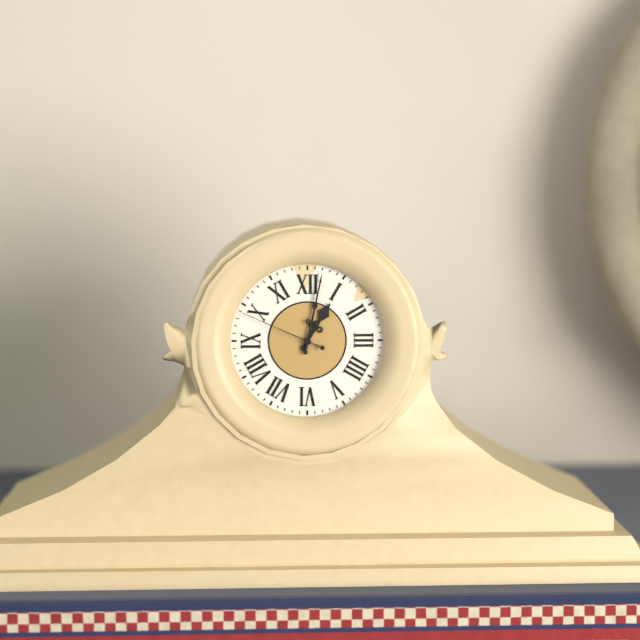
1:02:49
